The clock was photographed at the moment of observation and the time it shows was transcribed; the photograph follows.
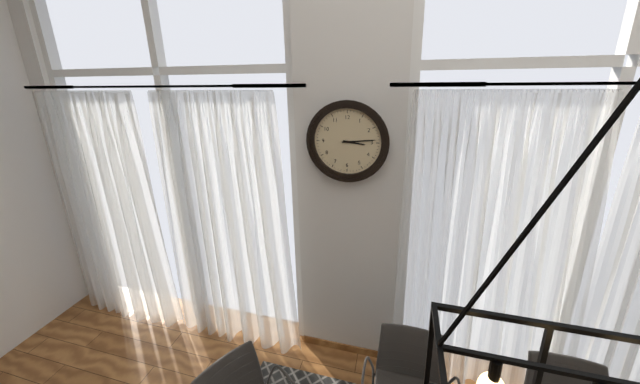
3:14
